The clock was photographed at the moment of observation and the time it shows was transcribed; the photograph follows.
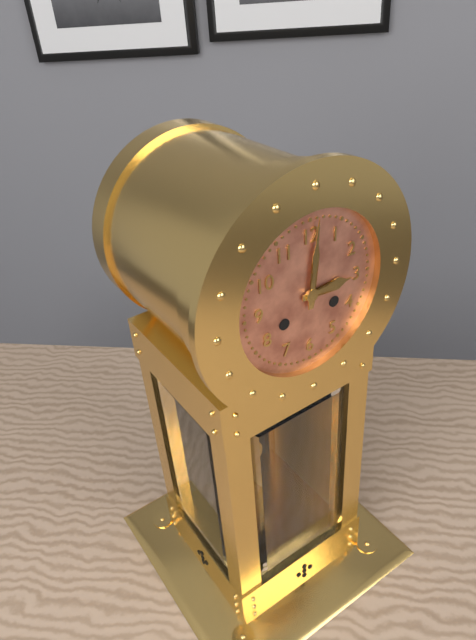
3:01
